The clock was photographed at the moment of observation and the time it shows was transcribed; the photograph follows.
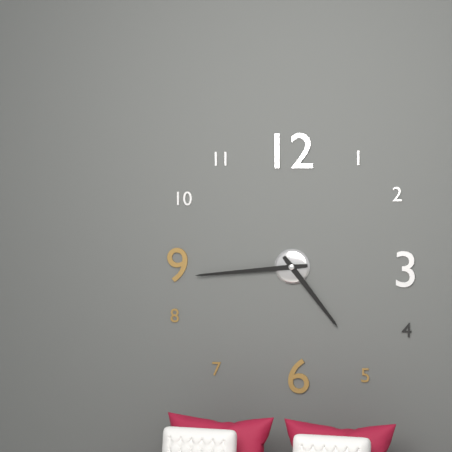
4:44
